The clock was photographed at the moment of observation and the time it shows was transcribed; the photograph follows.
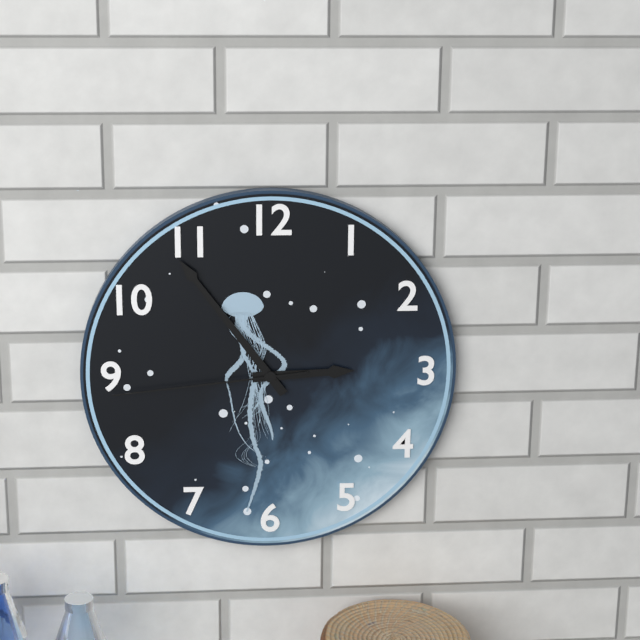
2:54:44
